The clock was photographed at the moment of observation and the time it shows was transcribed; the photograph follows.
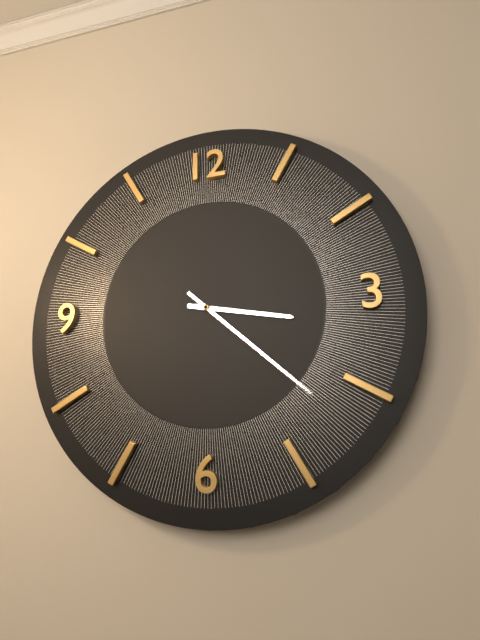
3:22
